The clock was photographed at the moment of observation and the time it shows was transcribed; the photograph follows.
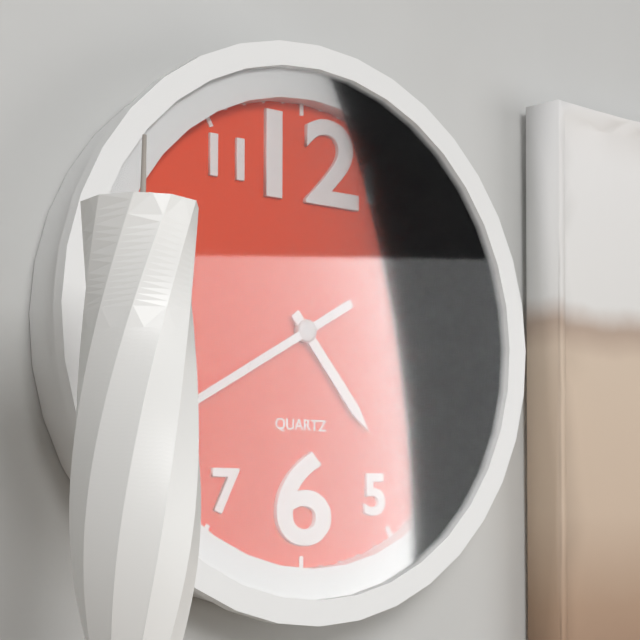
4:40
